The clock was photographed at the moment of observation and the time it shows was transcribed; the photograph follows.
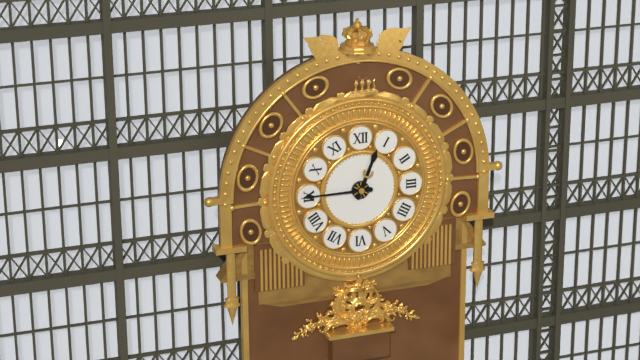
12:45
